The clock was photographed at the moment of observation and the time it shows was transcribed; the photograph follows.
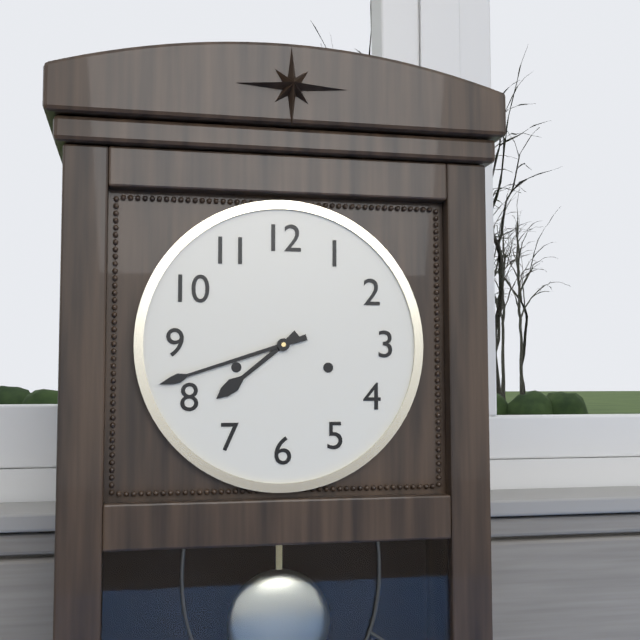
7:42
